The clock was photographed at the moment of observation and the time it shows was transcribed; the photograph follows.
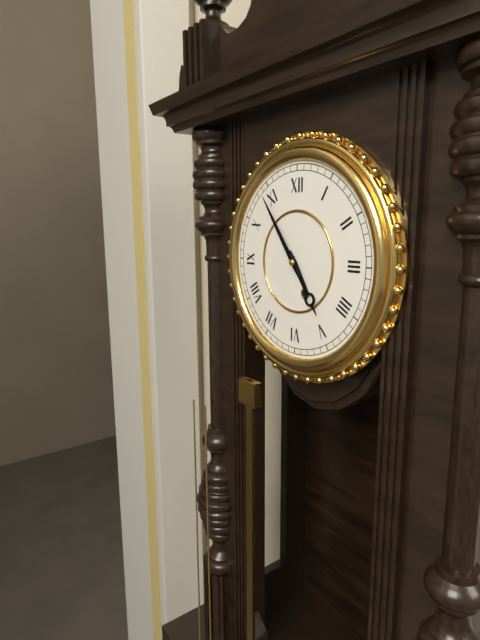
4:54
